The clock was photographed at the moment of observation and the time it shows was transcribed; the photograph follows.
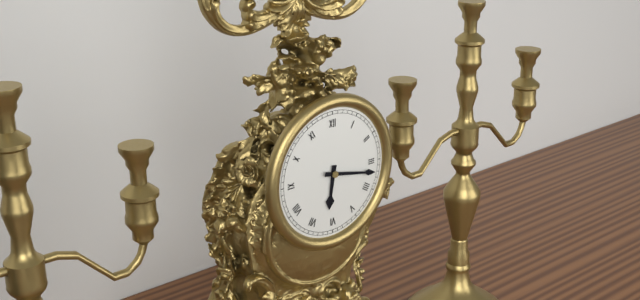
6:17
